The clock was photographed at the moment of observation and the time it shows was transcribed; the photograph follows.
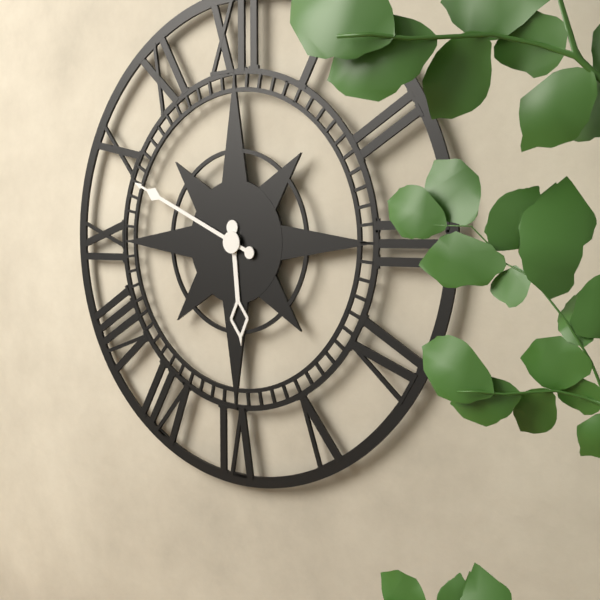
5:49
